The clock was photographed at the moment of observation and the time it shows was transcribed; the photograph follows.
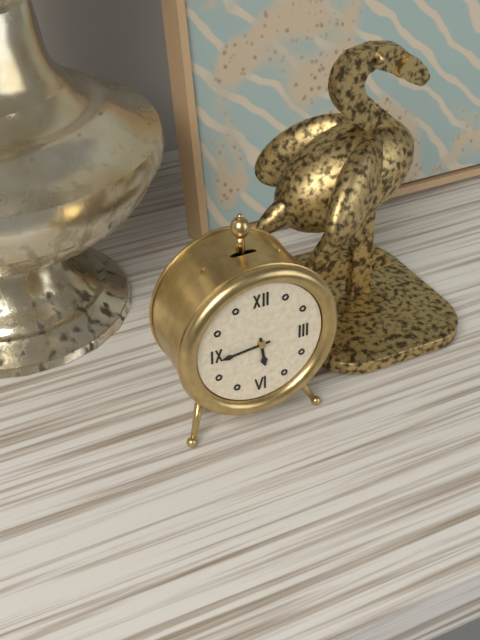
5:44
